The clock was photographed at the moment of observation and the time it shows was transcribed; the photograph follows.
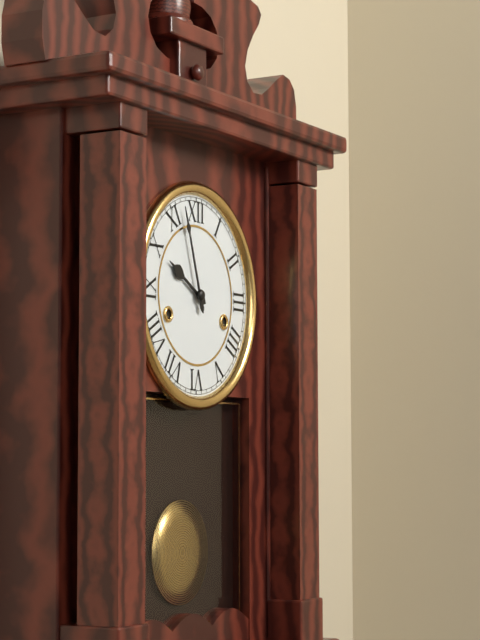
9:57
